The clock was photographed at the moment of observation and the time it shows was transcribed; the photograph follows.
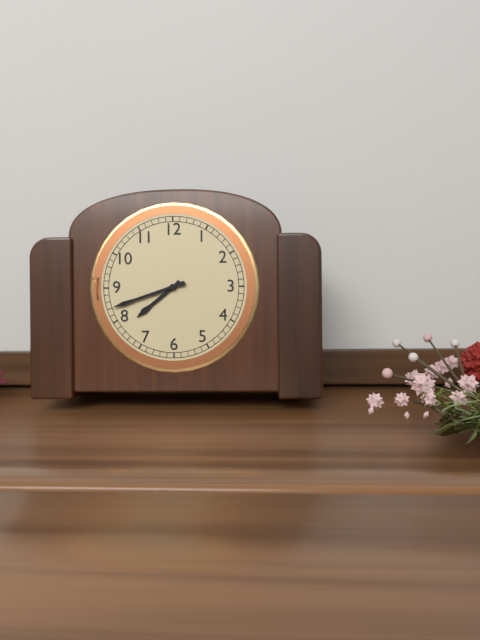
7:42
